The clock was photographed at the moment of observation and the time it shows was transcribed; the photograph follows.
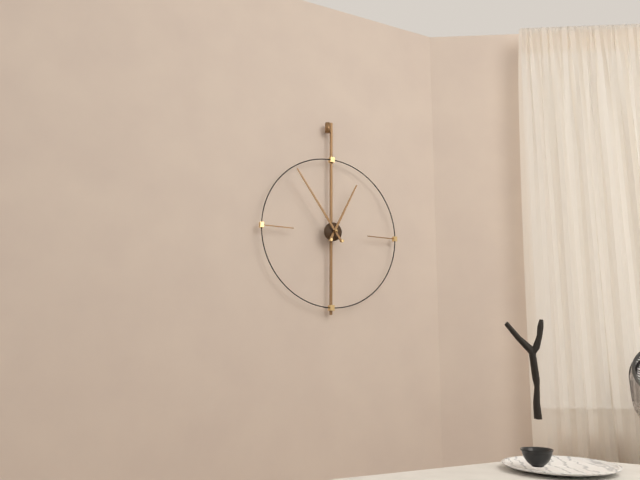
12:54
